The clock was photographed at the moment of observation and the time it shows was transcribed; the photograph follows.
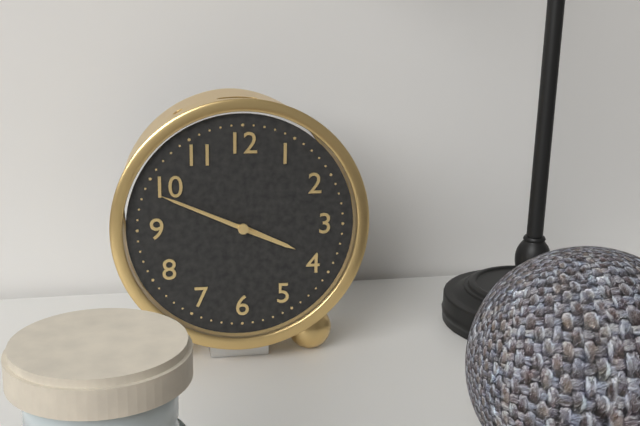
3:49
